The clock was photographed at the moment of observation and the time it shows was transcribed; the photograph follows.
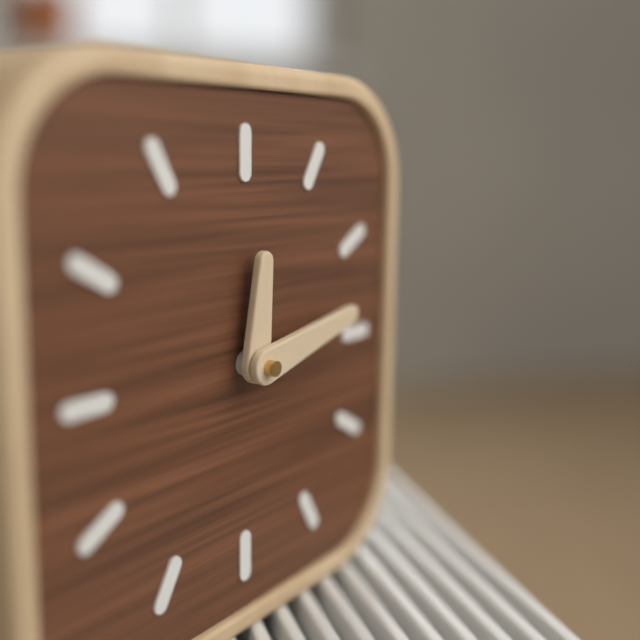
12:13
